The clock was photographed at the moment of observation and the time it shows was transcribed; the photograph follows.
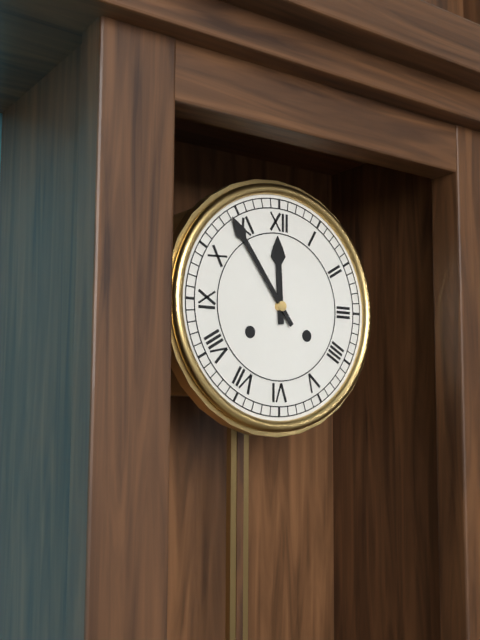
11:54
